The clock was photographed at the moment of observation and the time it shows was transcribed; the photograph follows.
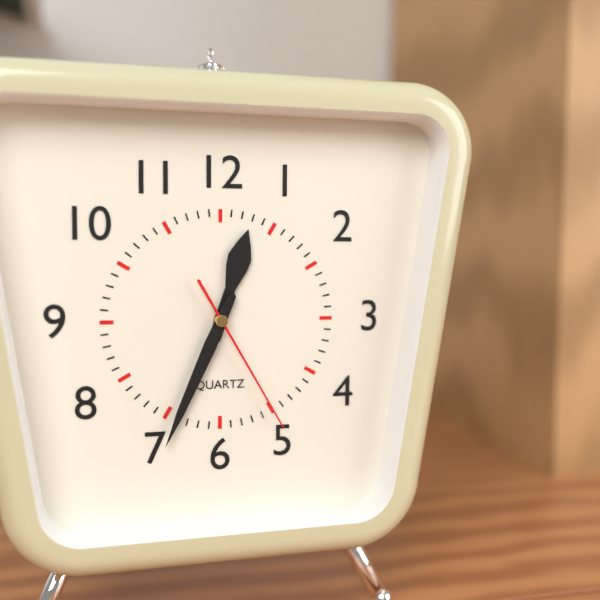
12:34:25
